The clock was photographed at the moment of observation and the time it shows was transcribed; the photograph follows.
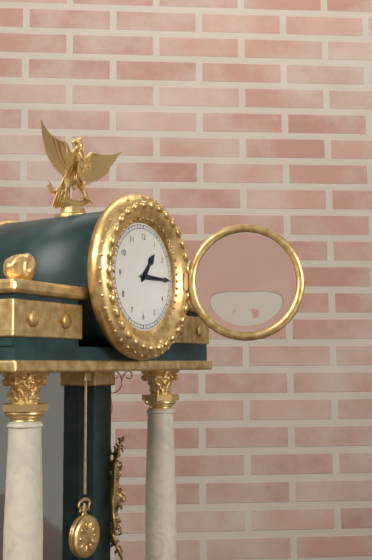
1:15
